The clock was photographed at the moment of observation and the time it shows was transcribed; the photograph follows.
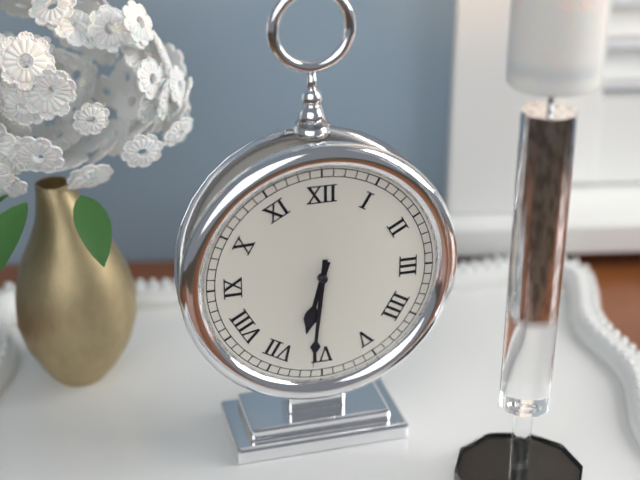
6:31
